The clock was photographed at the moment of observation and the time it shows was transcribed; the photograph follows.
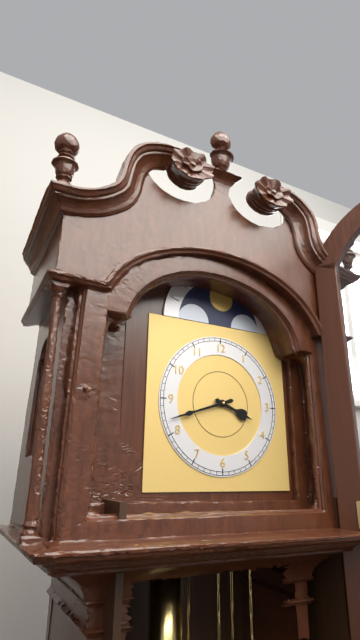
3:42
